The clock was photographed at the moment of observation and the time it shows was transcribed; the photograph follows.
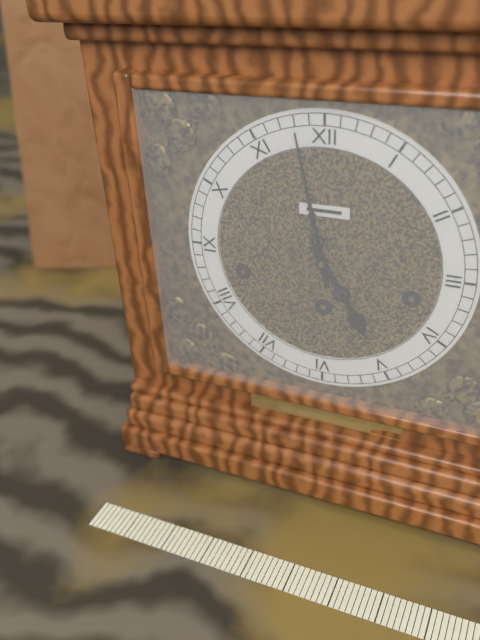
4:58
